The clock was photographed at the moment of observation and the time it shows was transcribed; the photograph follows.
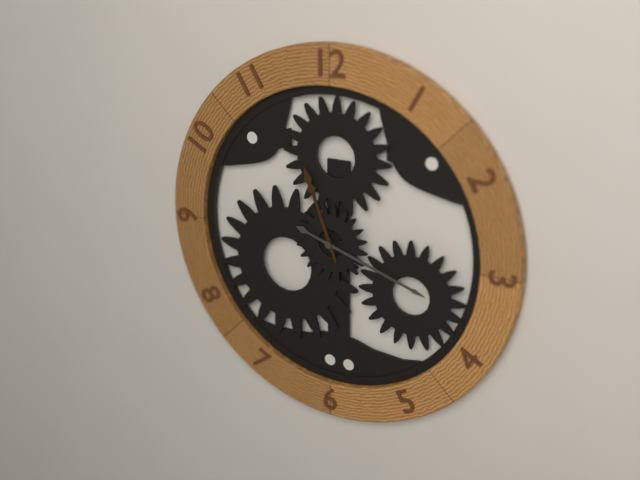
11:18
